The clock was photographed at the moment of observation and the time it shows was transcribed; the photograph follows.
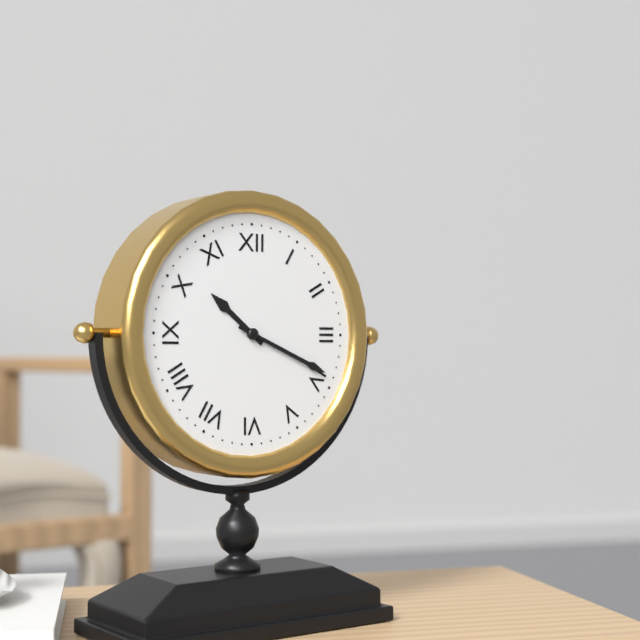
10:19
